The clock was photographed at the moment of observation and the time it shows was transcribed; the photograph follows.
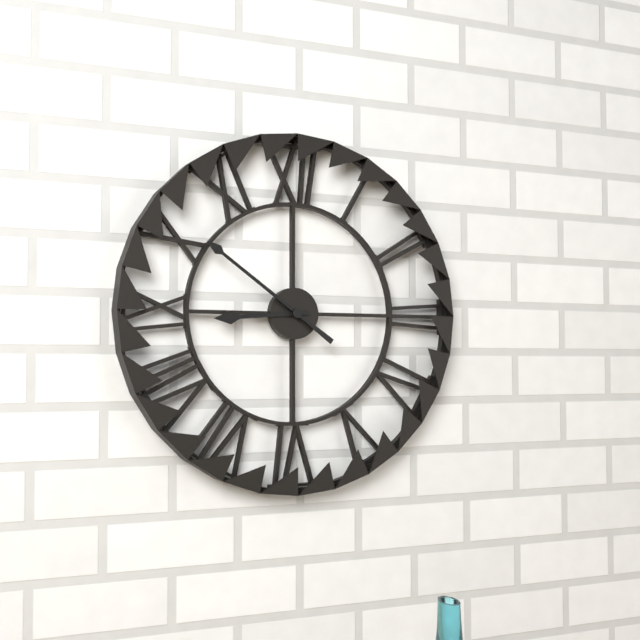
8:51
